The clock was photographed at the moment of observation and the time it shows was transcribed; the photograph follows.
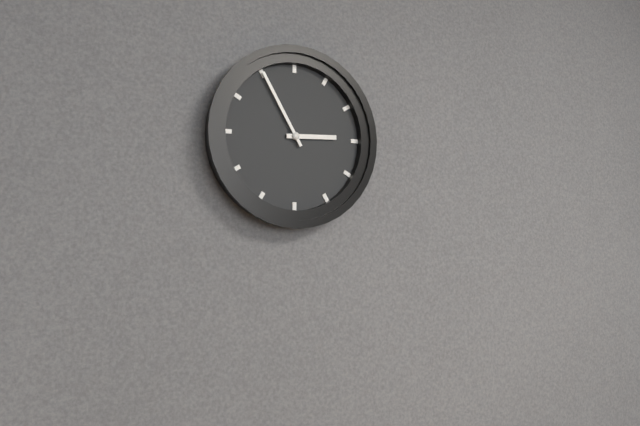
2:55
